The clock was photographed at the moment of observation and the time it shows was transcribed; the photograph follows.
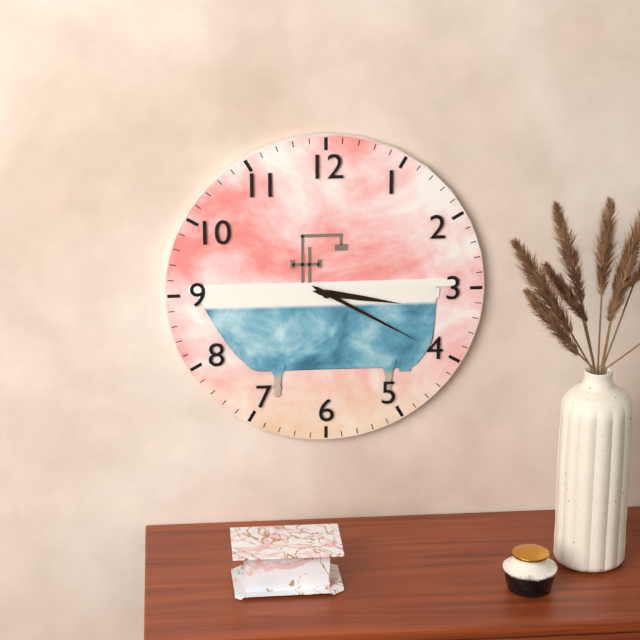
3:20
